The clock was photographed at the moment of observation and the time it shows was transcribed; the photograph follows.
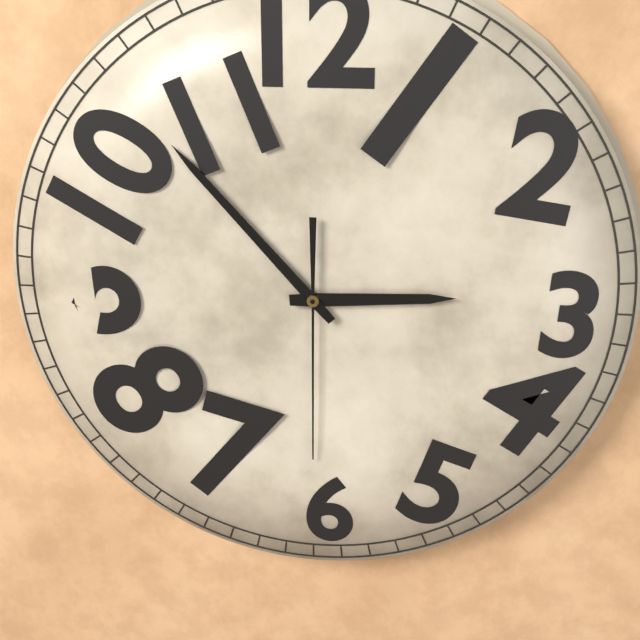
2:53:30
